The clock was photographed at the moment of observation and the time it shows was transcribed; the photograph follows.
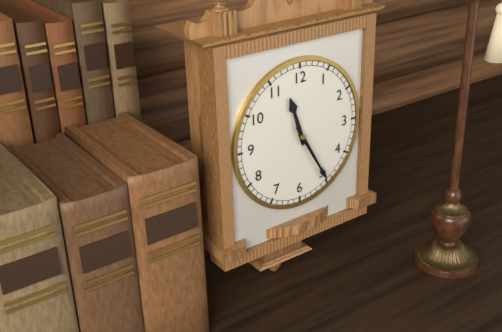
11:25
